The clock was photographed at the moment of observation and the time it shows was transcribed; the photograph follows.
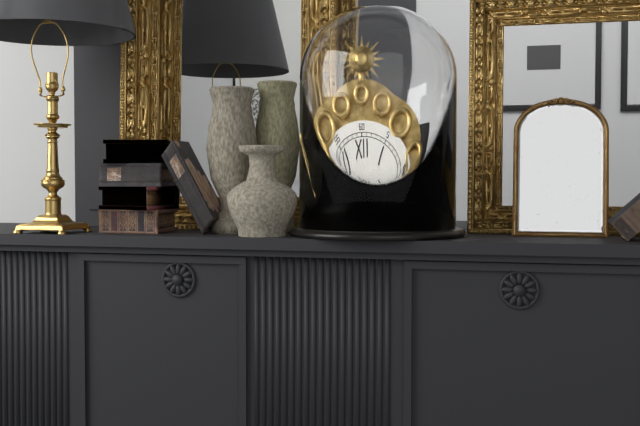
1:49
